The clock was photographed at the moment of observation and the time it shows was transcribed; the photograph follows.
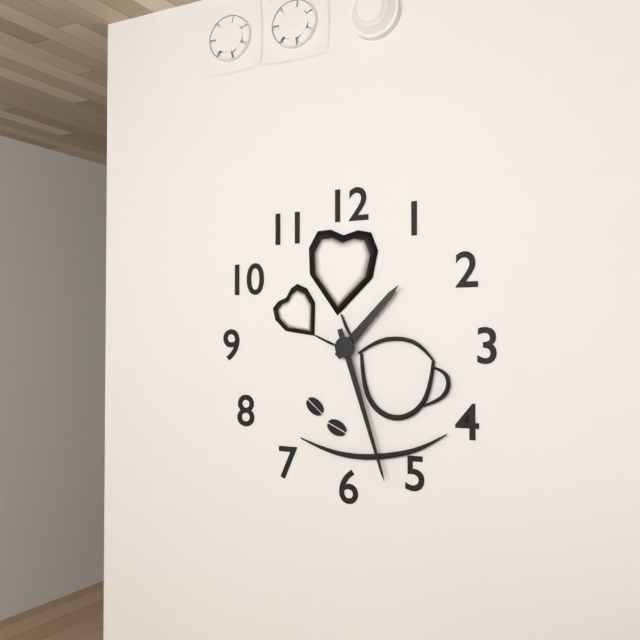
1:27
